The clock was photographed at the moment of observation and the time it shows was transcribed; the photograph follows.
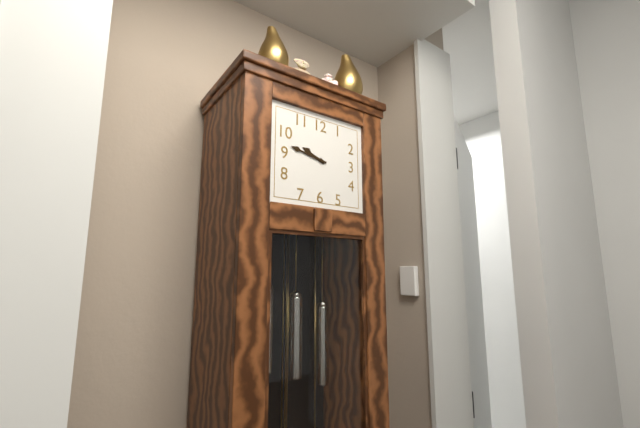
9:47
